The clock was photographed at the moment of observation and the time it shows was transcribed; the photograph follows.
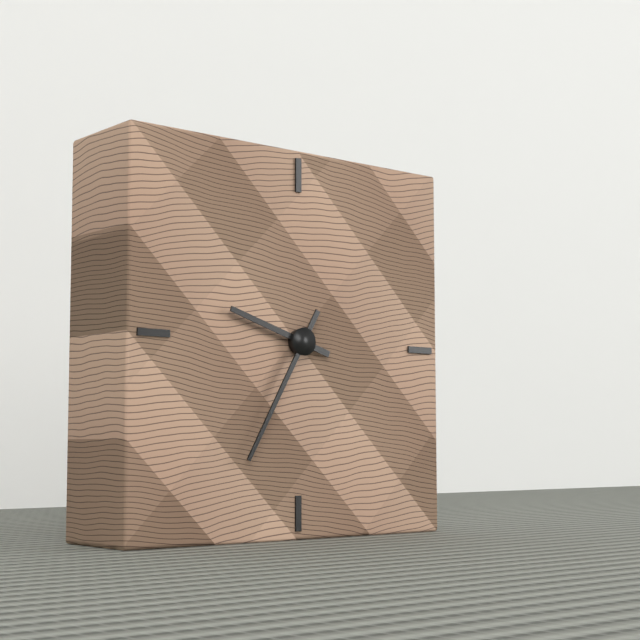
9:35
